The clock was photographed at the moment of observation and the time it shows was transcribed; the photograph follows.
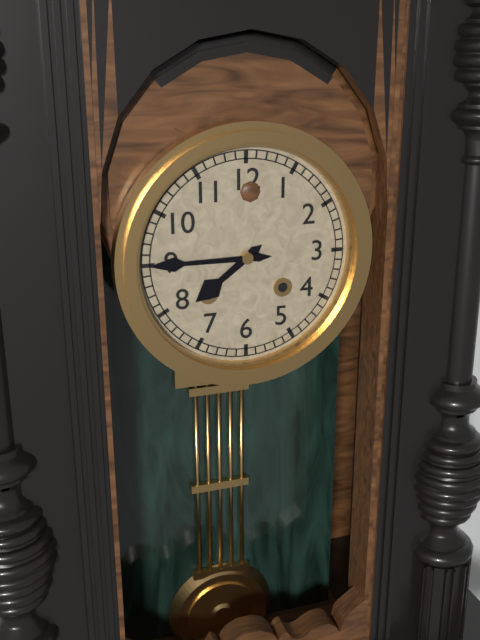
7:45
